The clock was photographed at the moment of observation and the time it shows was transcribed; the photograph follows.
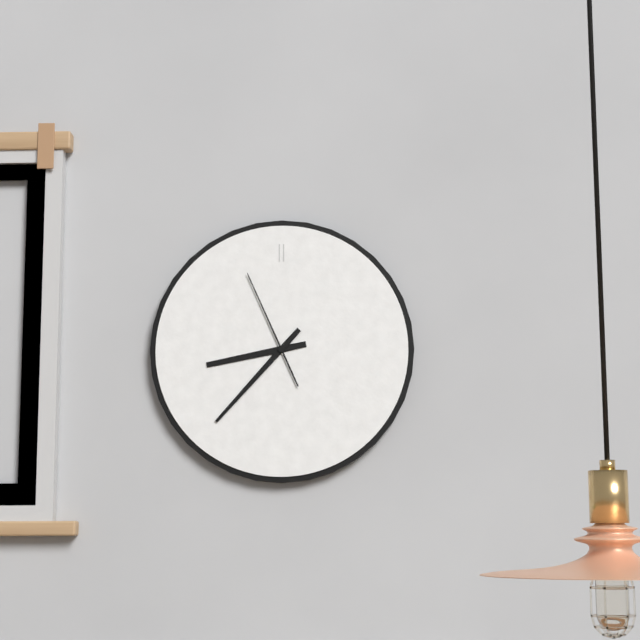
8:37:56
